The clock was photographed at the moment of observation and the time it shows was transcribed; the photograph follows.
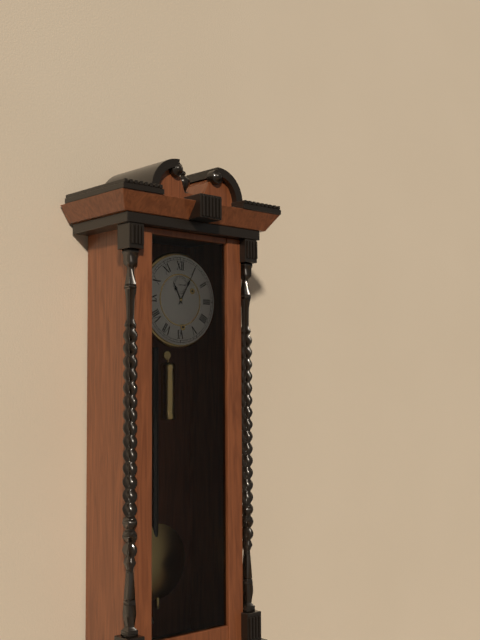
11:05
